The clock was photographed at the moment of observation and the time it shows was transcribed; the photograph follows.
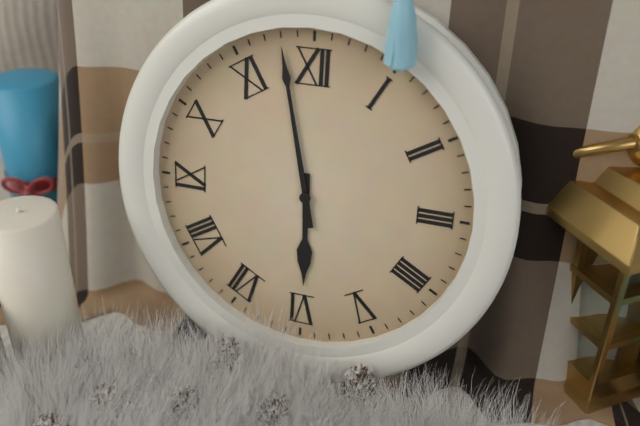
5:58
